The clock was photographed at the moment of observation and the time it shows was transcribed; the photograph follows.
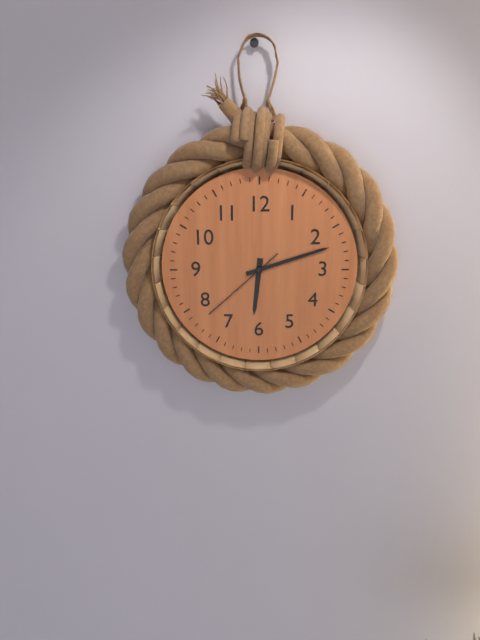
6:12:38
